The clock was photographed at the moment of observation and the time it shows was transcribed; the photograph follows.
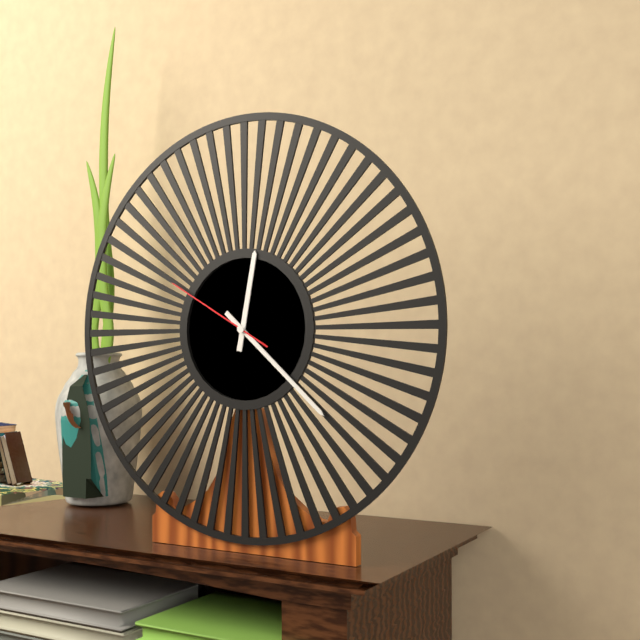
12:22:50
